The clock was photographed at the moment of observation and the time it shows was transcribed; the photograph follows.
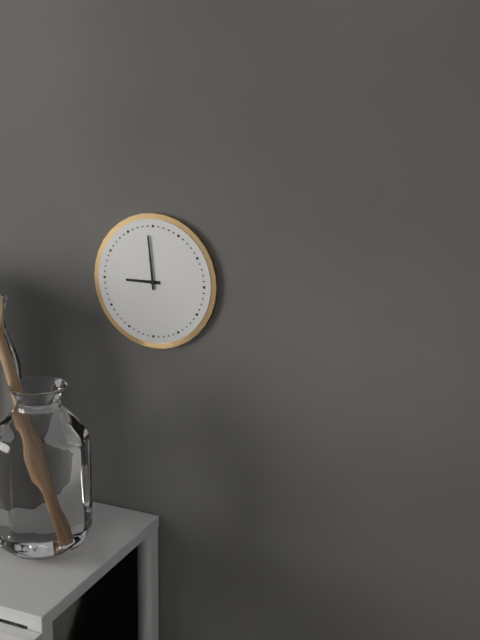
8:59
